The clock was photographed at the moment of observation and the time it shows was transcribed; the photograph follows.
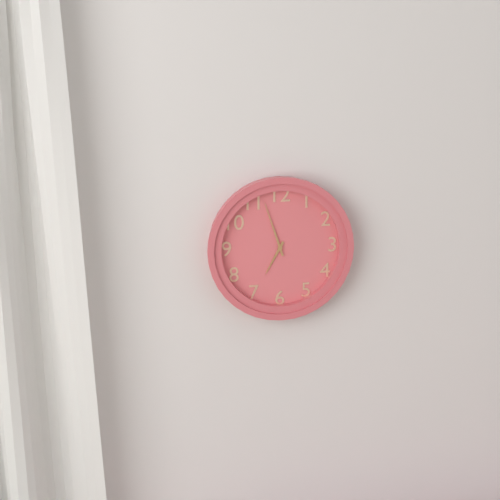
6:57
